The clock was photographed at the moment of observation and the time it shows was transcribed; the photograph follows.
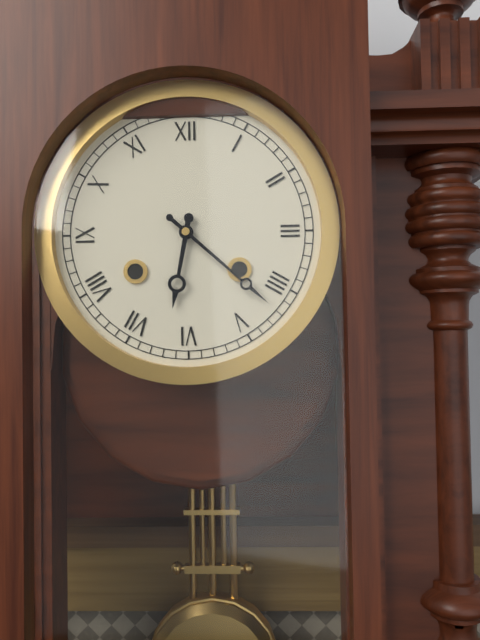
6:22
